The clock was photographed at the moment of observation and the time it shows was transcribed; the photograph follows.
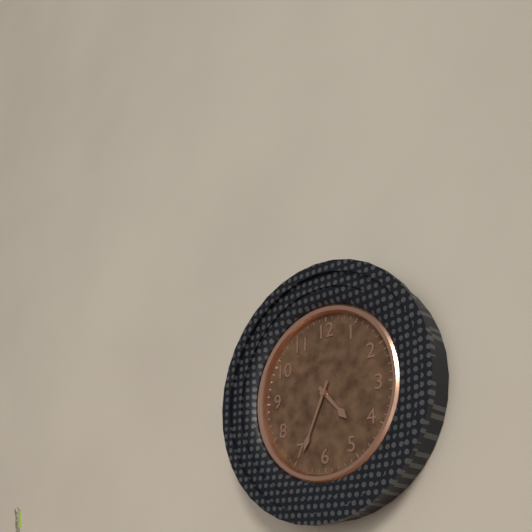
4:34
